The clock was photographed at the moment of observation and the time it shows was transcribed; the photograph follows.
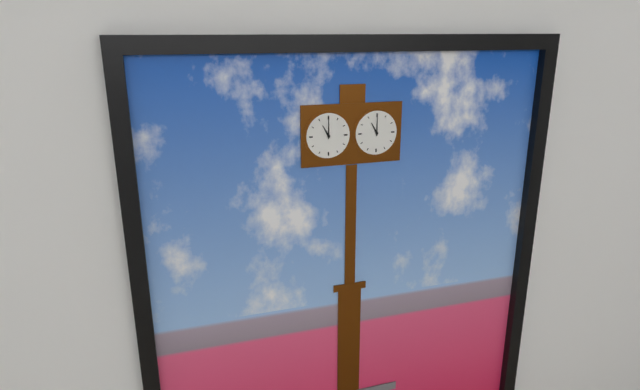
11:00
